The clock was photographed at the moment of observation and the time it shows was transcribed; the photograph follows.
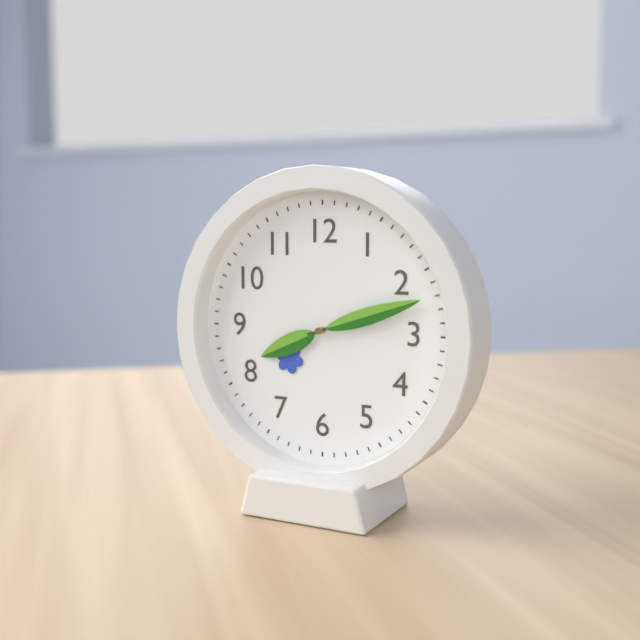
8:12
